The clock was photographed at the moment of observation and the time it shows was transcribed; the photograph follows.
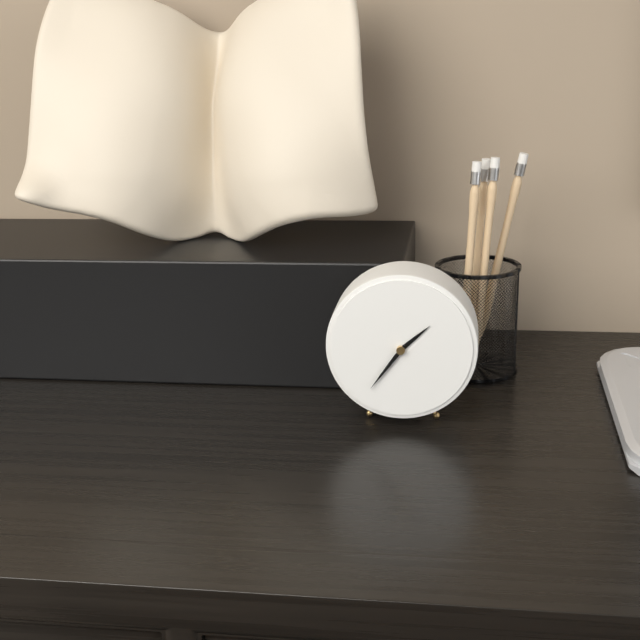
1:36
